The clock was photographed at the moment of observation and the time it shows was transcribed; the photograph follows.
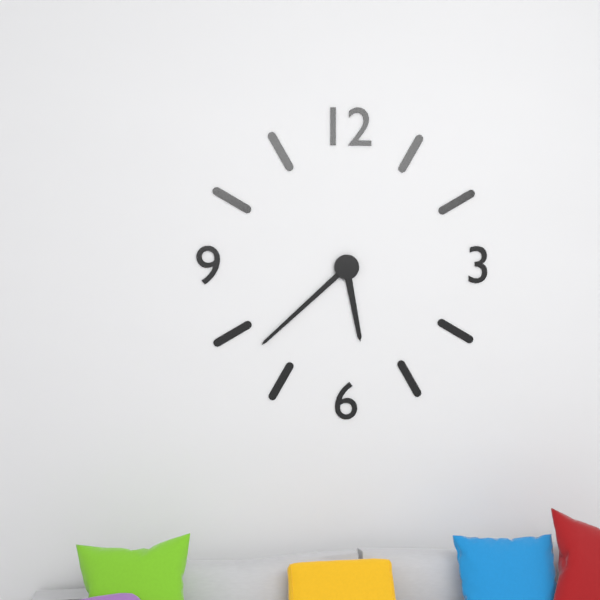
5:38
